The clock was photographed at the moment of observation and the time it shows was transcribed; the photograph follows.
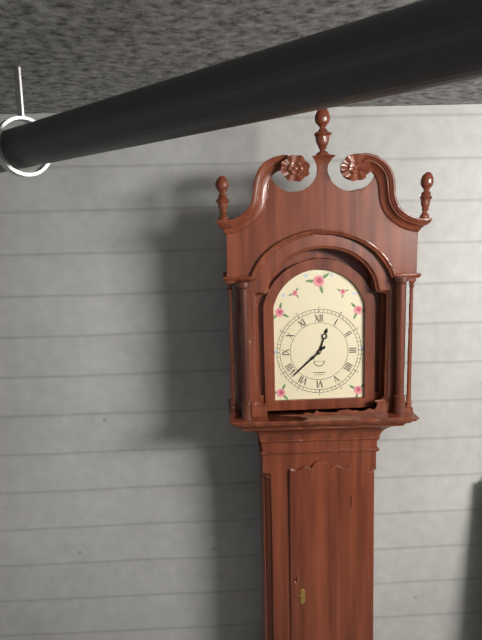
12:38
